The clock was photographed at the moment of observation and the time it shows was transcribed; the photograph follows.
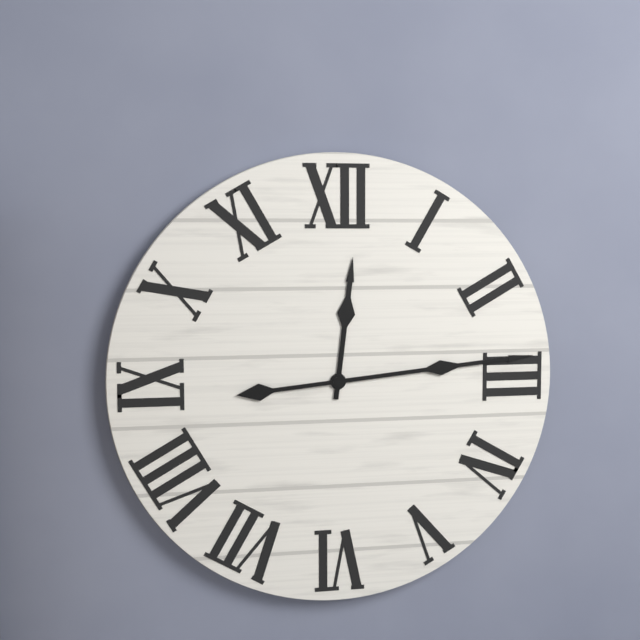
12:14
